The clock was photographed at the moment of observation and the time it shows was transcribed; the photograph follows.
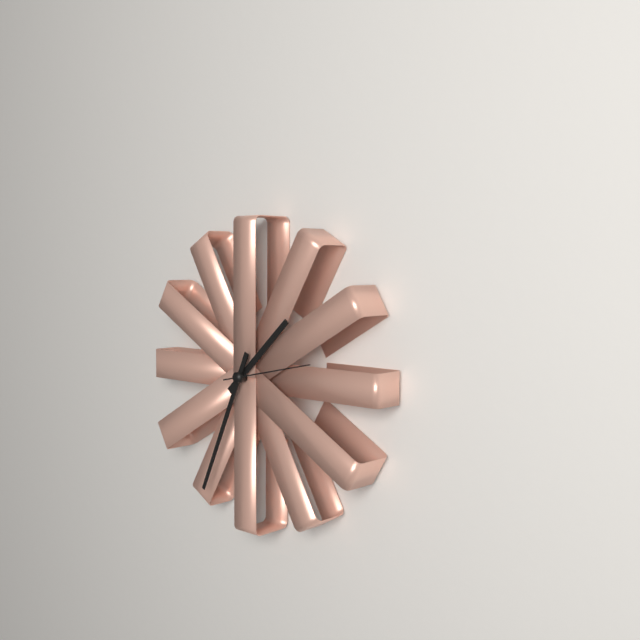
1:34
